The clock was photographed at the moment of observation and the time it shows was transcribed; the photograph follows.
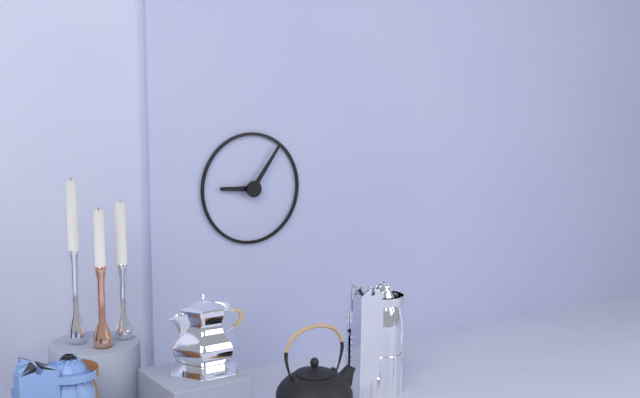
9:06
